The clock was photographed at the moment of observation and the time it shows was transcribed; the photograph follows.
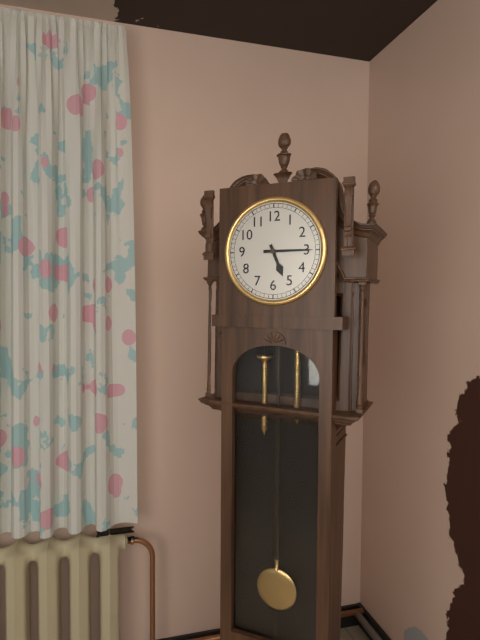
5:15
